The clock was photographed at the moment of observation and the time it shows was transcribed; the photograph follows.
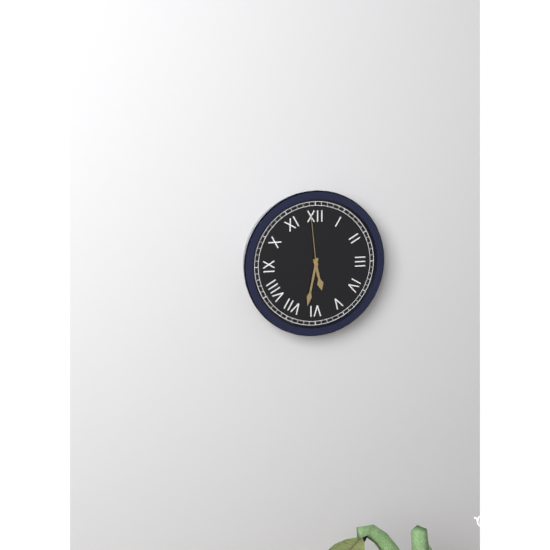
5:32:59
